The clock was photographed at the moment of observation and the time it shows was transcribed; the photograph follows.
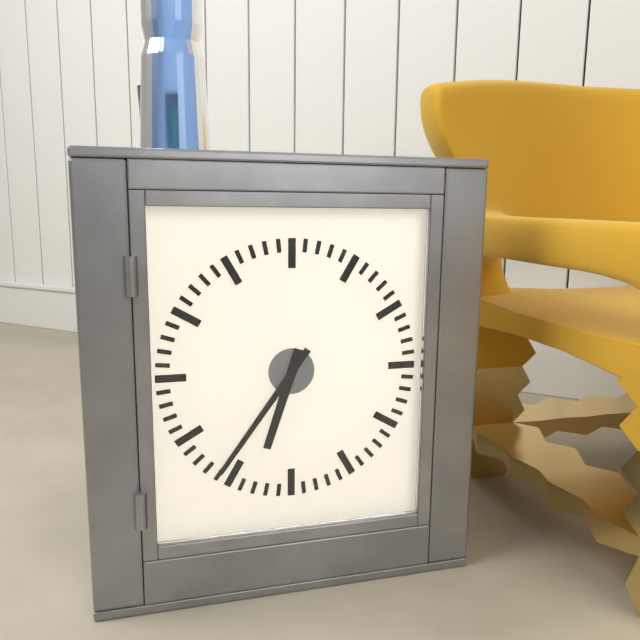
6:36
